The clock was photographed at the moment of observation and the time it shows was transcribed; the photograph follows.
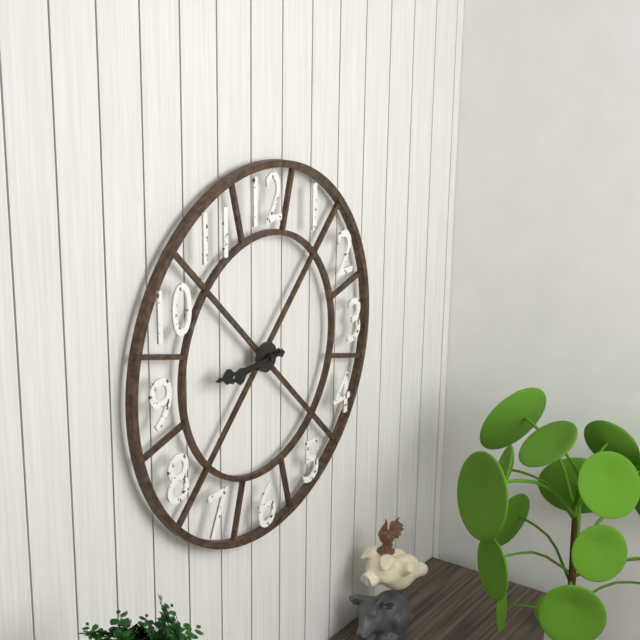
8:45
